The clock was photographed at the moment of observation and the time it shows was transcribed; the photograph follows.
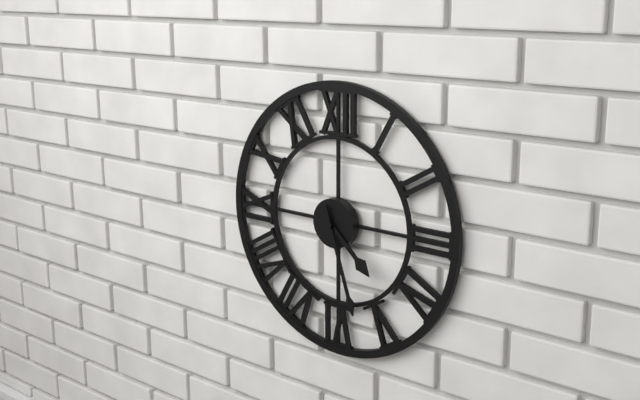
4:27
